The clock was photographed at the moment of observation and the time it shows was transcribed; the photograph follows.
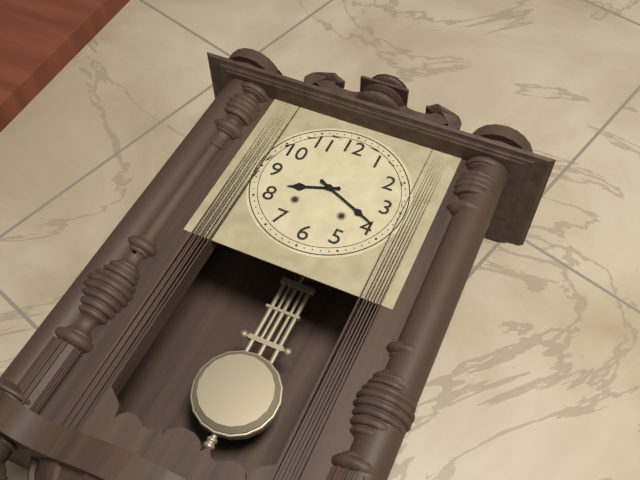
8:19
